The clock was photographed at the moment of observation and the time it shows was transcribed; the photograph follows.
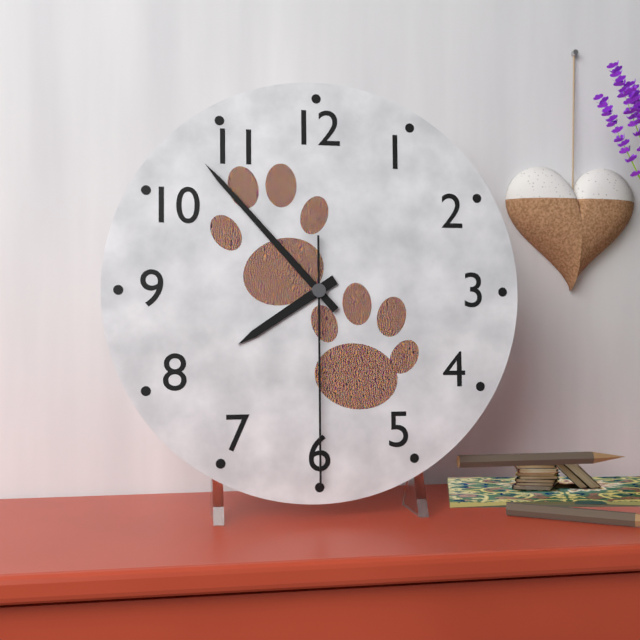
7:53:30
